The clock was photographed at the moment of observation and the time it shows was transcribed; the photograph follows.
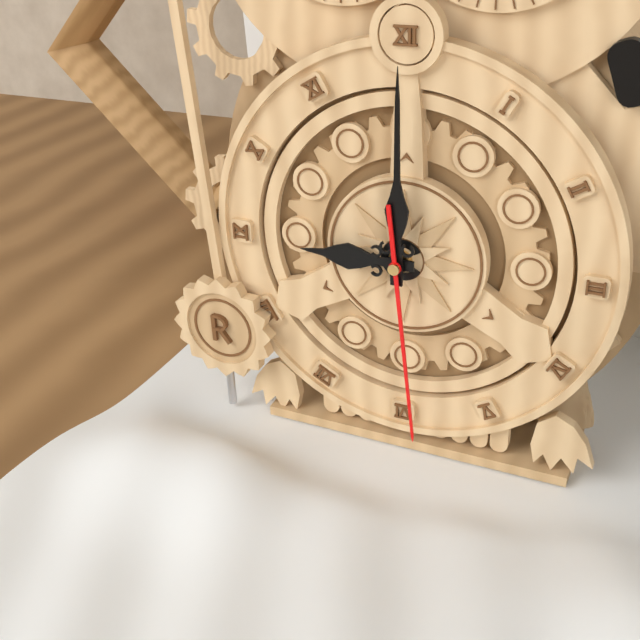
9:00:29
